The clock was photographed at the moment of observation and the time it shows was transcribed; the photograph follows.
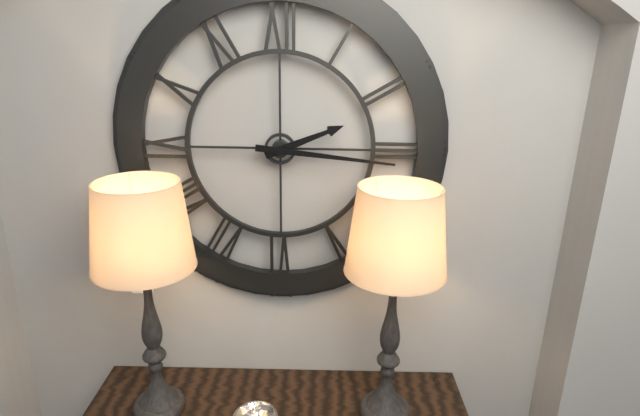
2:16
